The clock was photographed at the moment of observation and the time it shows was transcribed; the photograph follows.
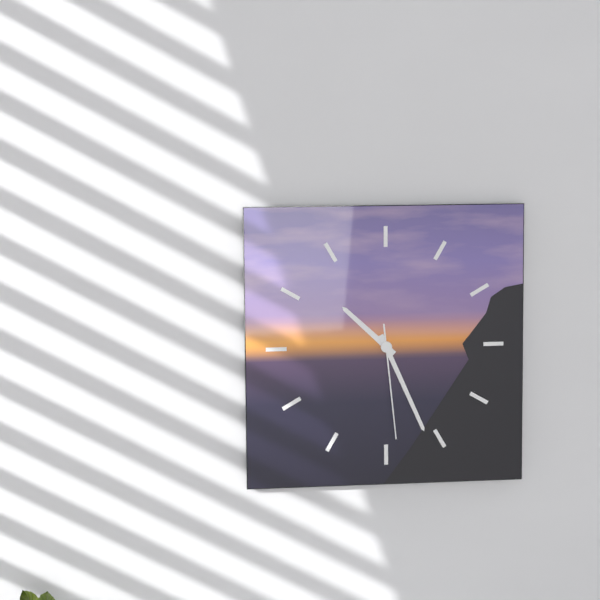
10:26:29
